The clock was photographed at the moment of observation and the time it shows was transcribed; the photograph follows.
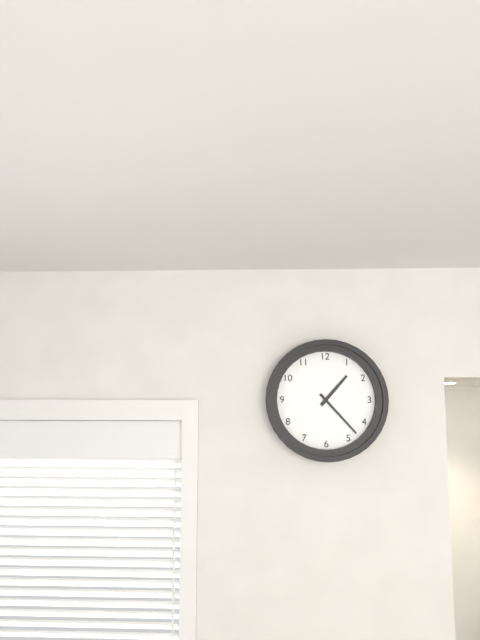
1:23
